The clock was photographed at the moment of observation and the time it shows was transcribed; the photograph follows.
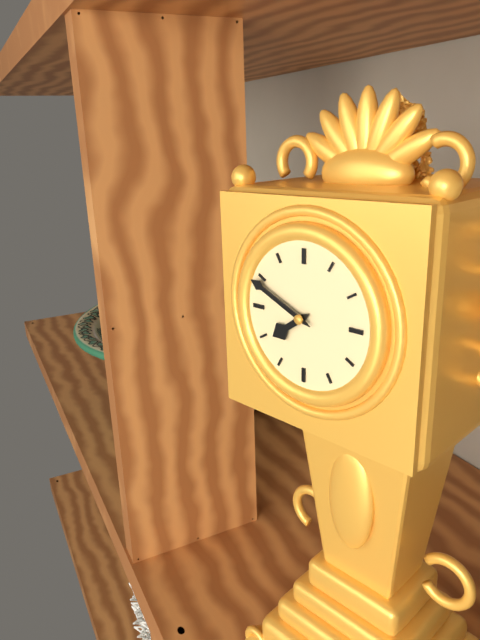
7:49
